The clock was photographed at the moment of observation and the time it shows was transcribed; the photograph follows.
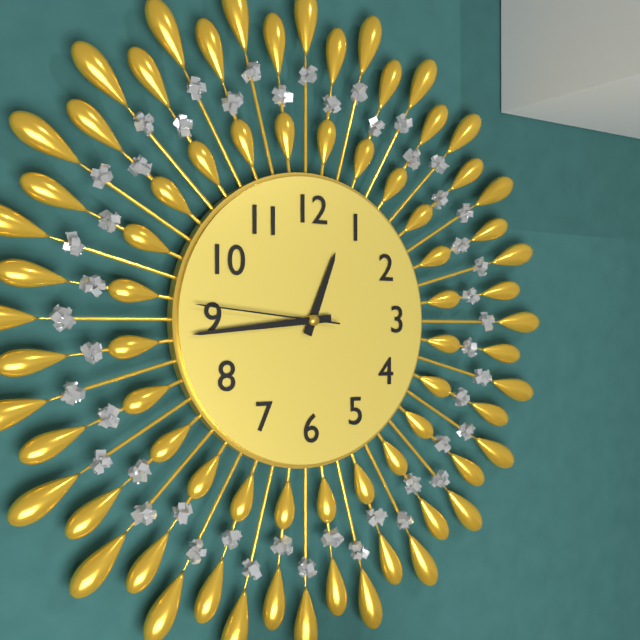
12:44:46
